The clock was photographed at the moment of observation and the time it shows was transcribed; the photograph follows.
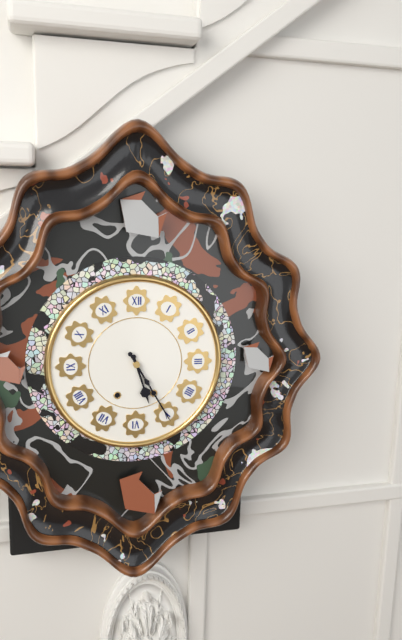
5:25
